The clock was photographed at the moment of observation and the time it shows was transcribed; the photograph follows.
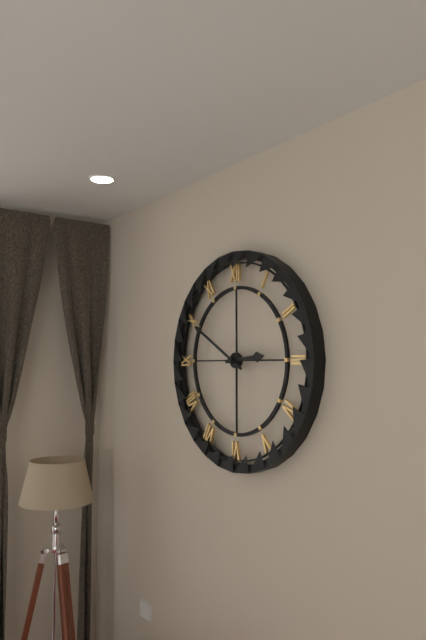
2:50
